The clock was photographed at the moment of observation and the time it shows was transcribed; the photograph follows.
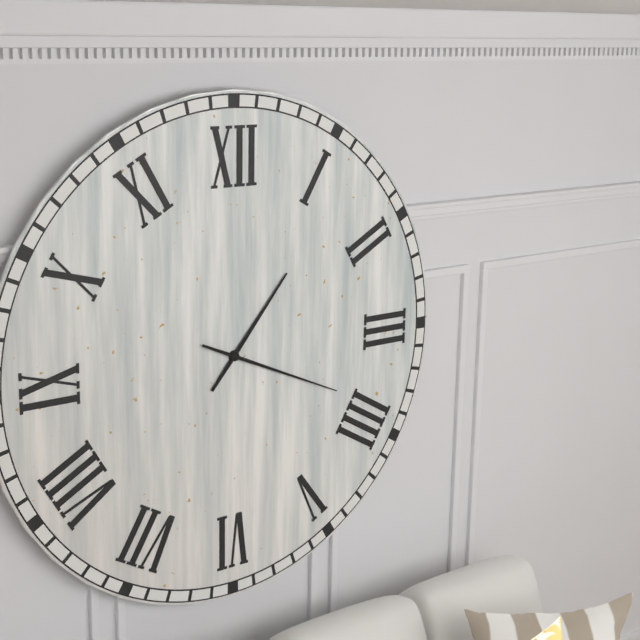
1:19
